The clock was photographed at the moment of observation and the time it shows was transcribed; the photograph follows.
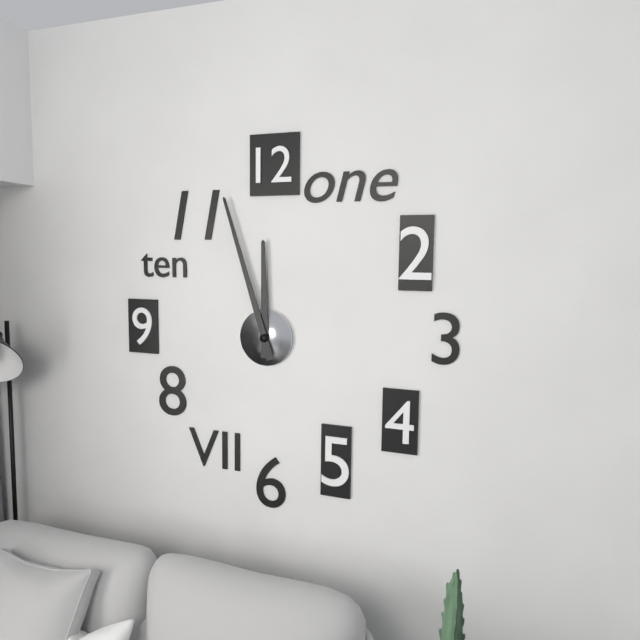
11:57
